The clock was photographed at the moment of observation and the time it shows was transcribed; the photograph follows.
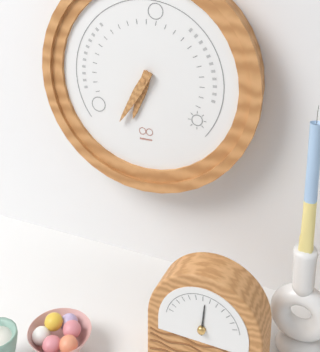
6:35
